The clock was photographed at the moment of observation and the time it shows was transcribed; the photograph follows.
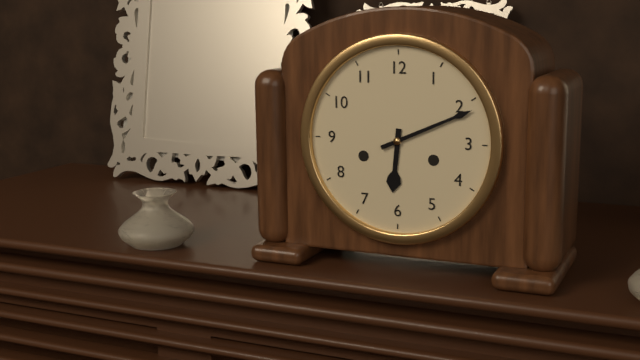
6:11
